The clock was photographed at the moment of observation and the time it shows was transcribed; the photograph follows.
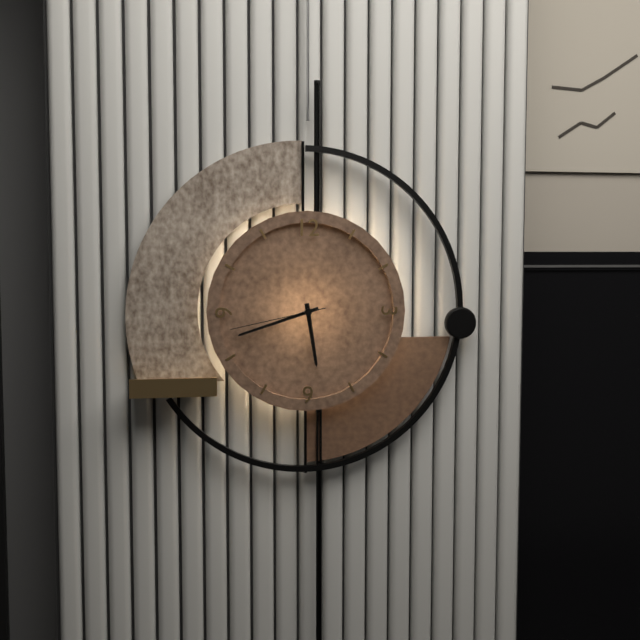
5:42:43
